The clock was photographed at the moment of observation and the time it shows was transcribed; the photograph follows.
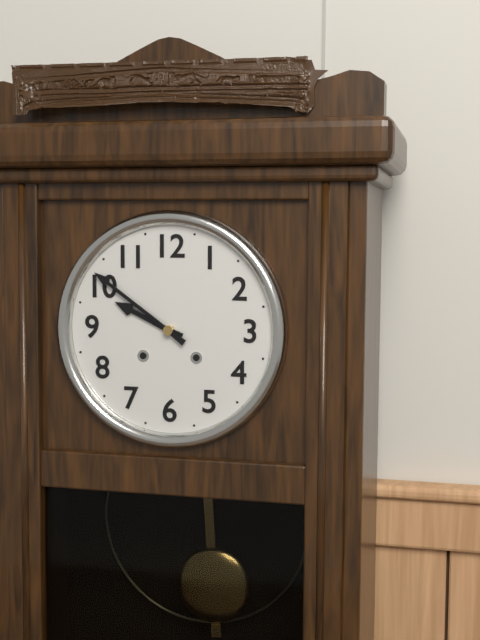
9:51
